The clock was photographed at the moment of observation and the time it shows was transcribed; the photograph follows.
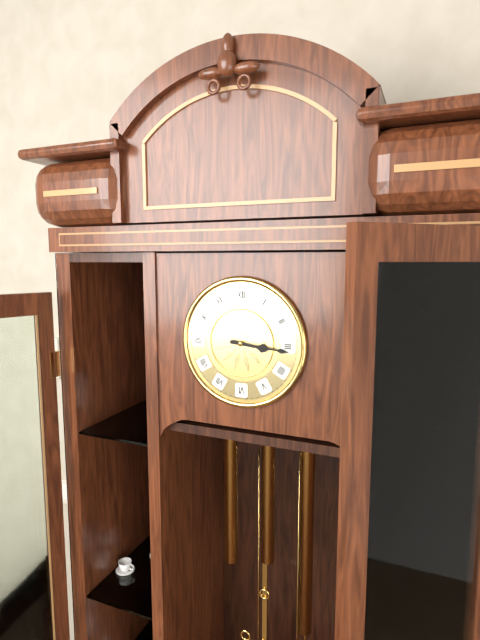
3:16
